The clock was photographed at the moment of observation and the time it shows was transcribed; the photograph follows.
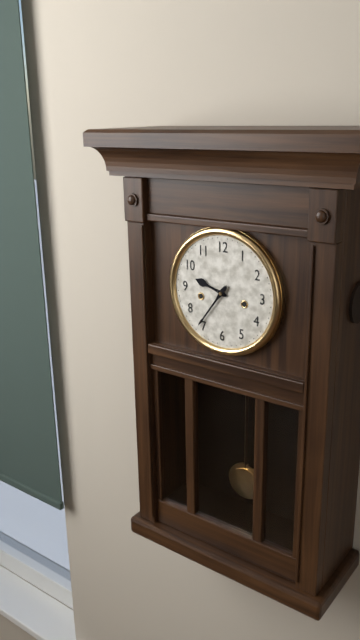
9:36
